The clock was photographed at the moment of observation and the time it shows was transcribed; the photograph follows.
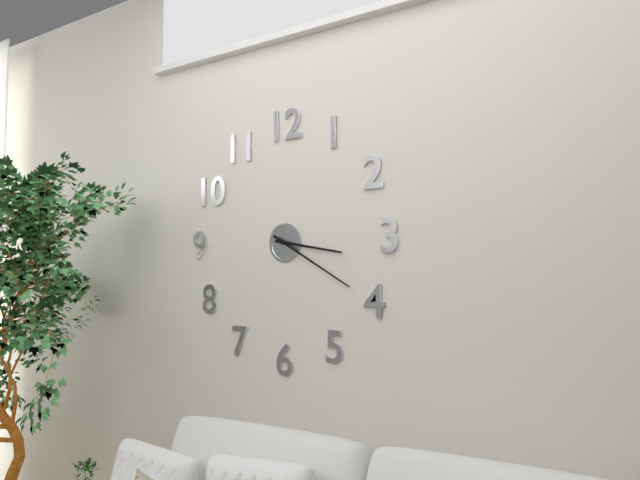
3:20
